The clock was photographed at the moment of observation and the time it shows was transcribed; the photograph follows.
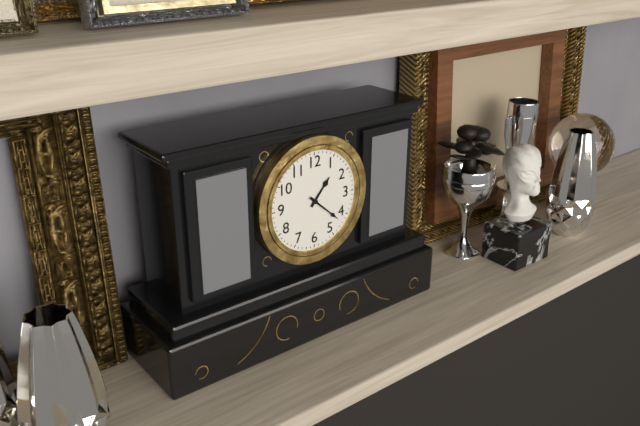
1:22
